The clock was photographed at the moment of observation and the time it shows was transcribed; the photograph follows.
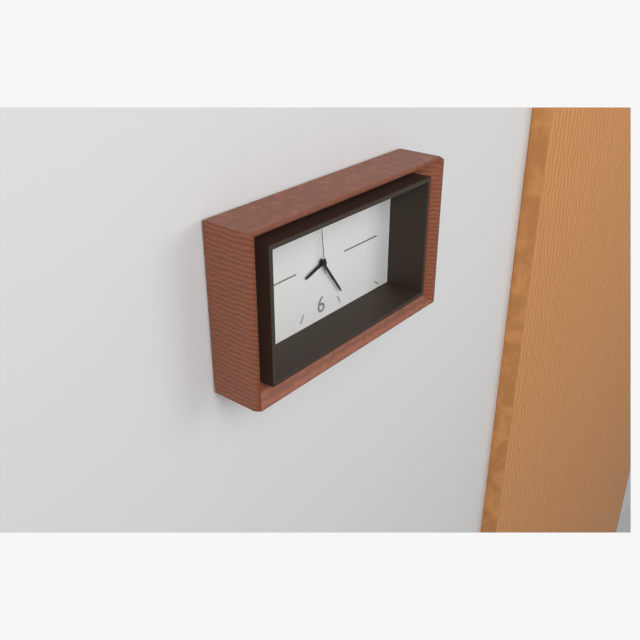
8:24
